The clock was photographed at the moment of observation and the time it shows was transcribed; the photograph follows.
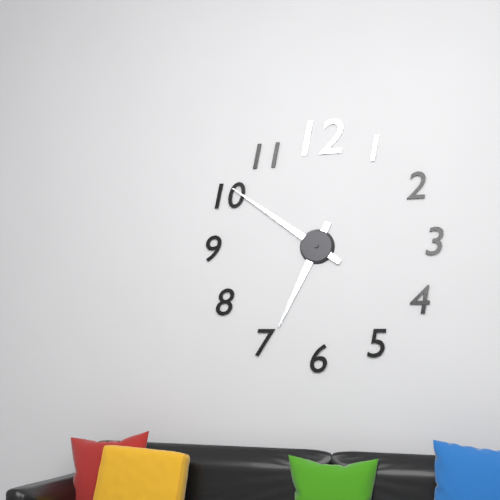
6:51
